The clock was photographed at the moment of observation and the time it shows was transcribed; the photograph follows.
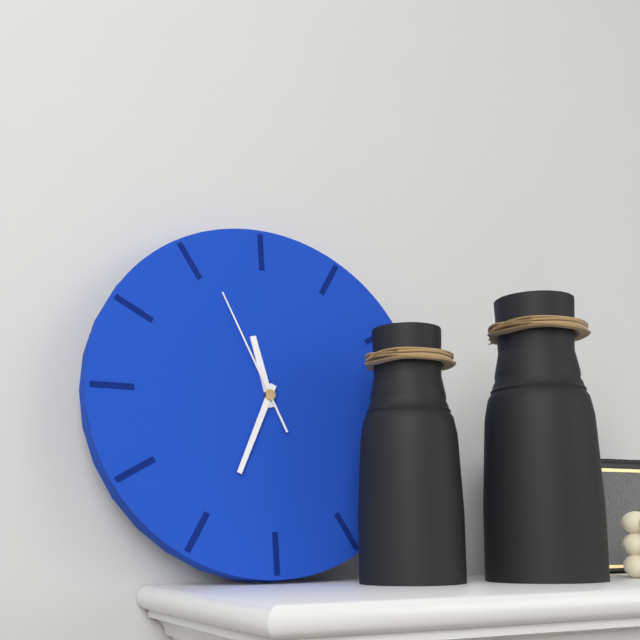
11:34:56
